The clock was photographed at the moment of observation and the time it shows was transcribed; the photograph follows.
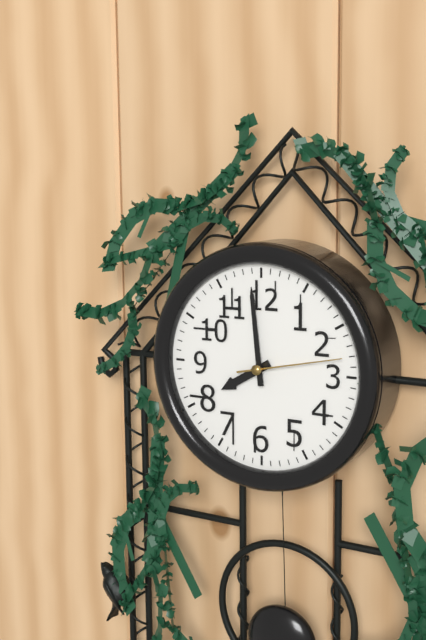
7:59:13
